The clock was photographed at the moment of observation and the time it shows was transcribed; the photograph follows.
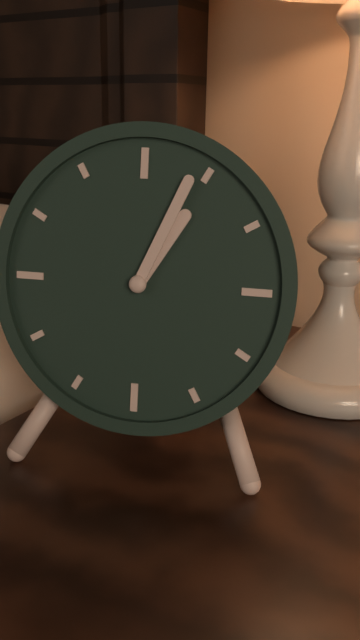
1:04
